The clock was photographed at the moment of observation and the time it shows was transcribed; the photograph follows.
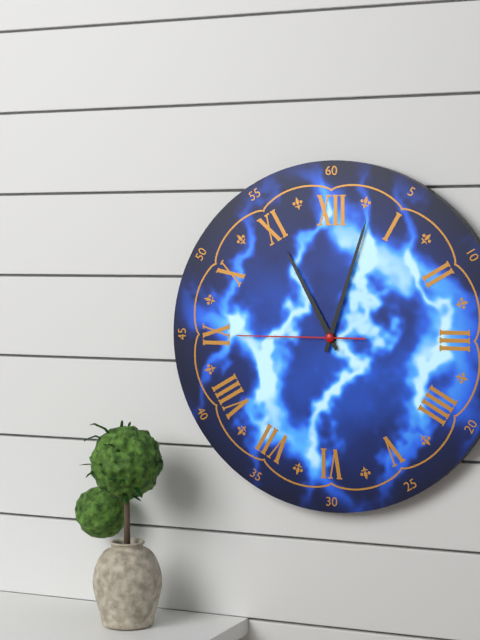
11:03:45
